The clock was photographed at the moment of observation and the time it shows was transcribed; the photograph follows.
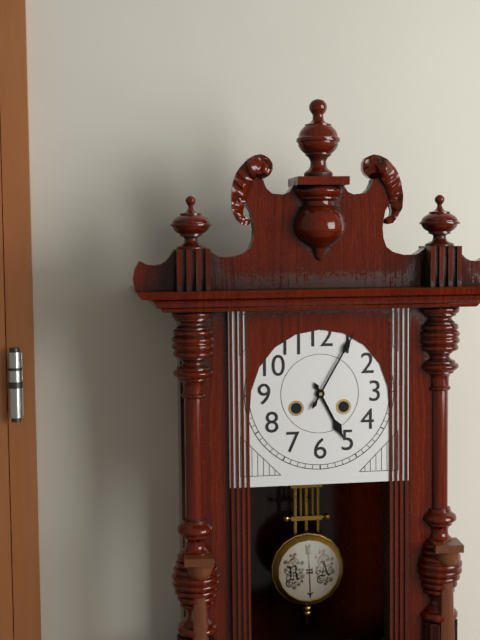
5:05
